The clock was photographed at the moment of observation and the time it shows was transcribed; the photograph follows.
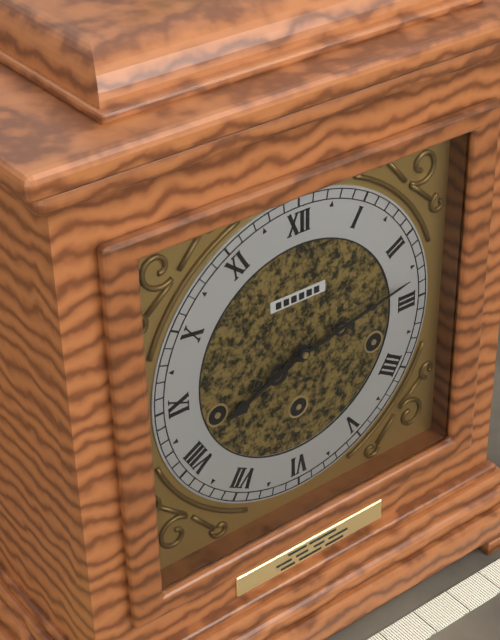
8:13
